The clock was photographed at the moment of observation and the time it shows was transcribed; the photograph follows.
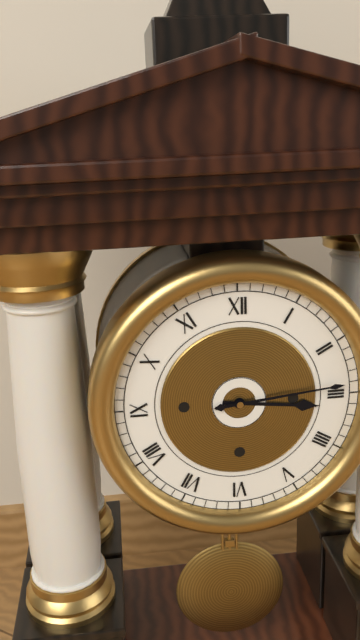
3:14
